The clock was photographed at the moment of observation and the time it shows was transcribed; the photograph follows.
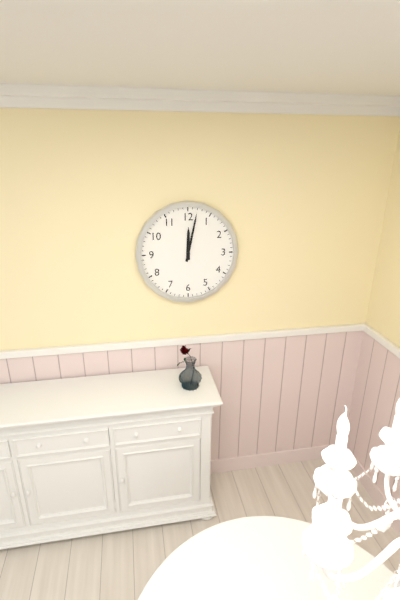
12:02
